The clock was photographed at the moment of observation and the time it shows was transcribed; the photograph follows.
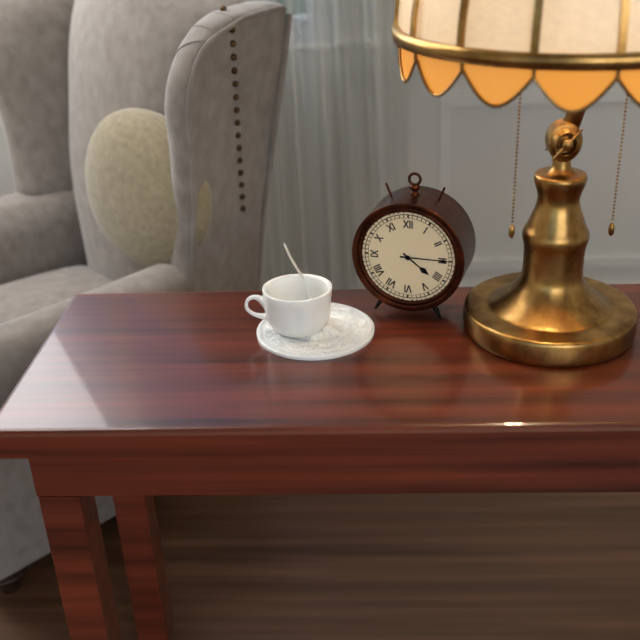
4:15
